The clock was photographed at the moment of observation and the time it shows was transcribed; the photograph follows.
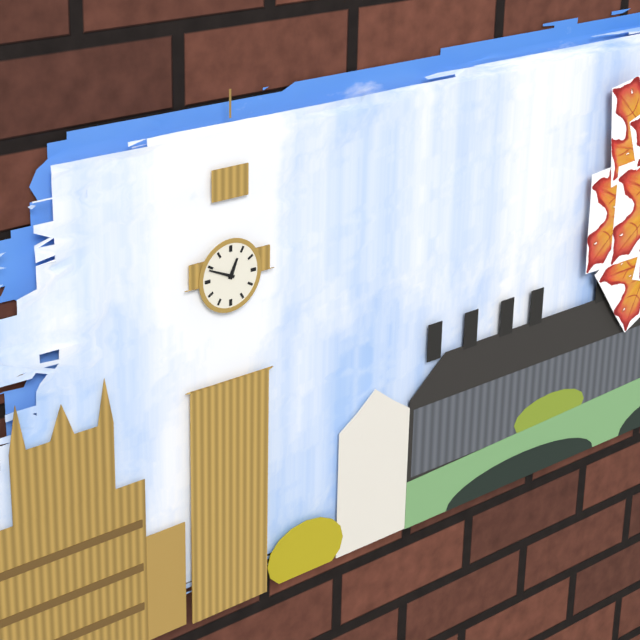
12:49
